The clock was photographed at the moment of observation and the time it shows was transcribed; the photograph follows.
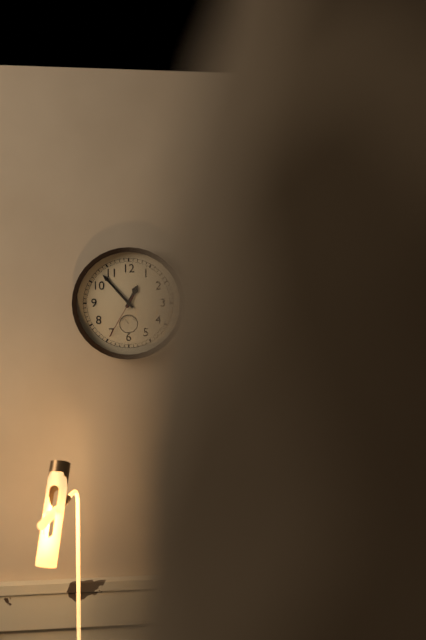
12:53
